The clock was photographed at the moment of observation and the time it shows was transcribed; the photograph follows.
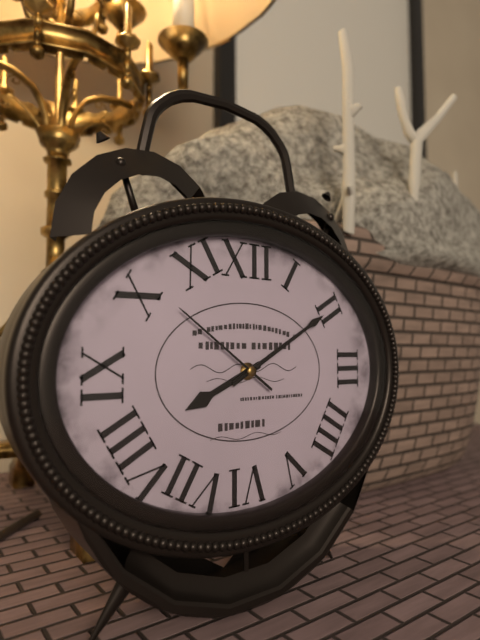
8:10:51
